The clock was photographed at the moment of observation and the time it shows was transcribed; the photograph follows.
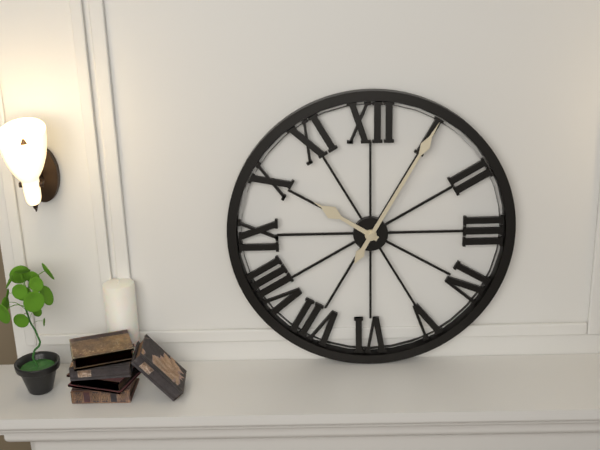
10:05
